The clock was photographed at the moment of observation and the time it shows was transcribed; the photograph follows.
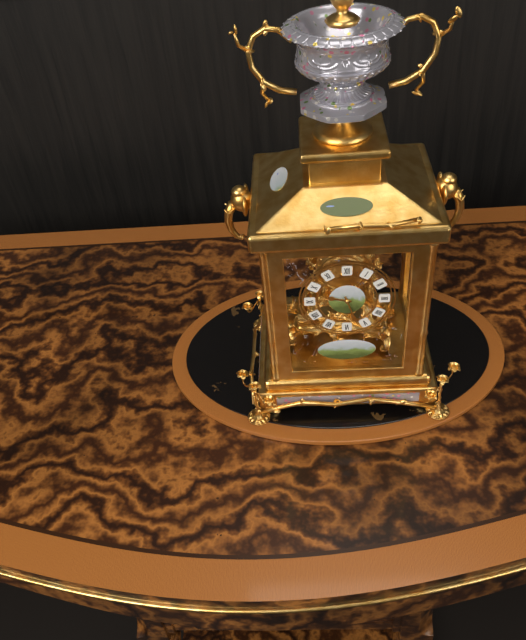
9:27
